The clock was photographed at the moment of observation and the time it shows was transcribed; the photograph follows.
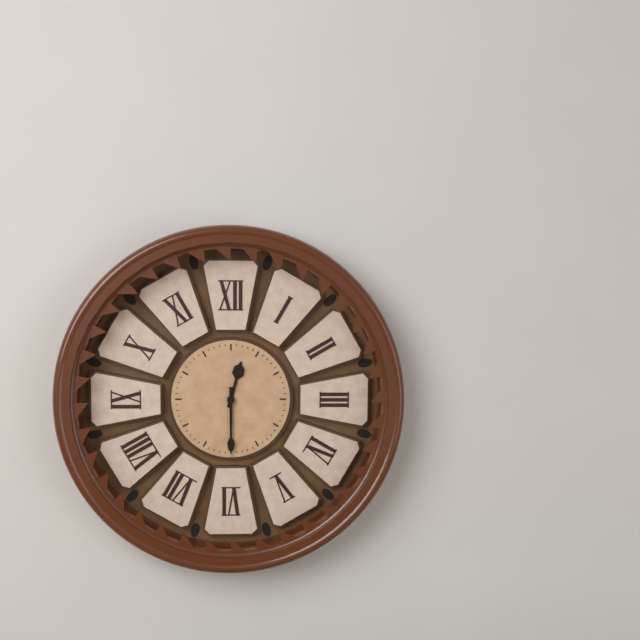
12:30
